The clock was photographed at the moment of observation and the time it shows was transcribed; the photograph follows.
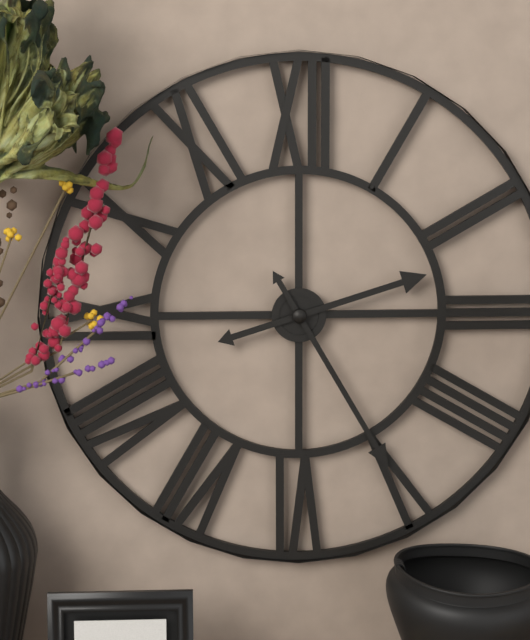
2:25
